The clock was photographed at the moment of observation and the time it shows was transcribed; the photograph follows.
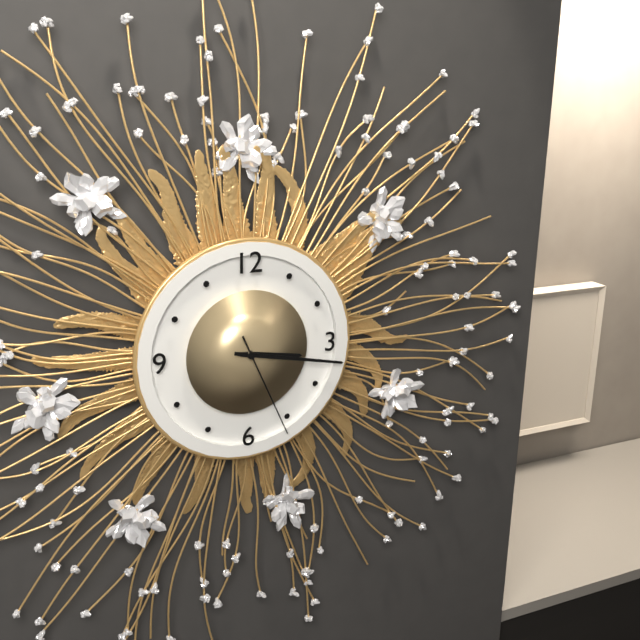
3:17:26
